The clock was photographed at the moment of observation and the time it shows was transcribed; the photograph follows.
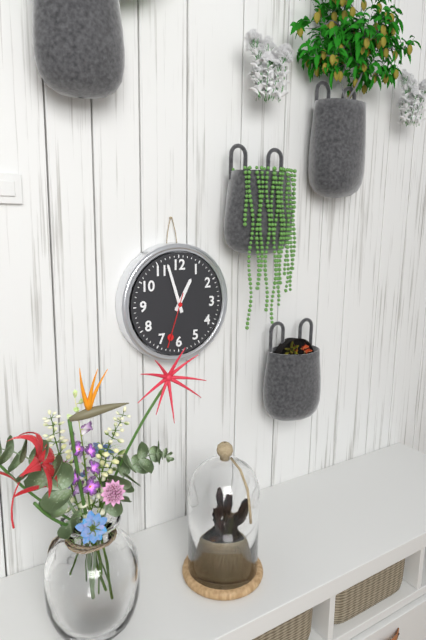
12:57:33
